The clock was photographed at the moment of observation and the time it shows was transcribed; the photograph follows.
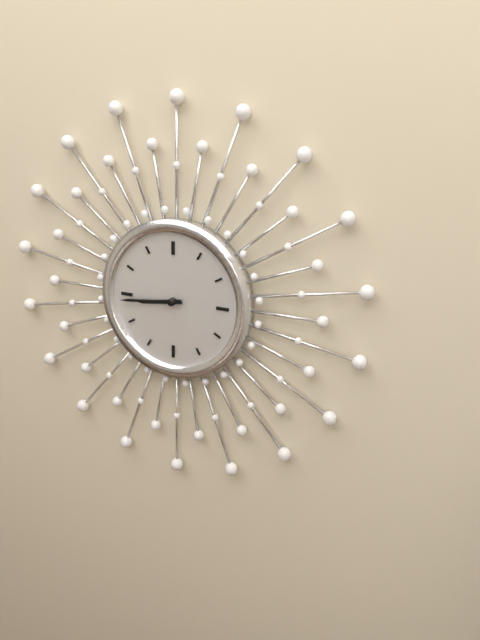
8:44
